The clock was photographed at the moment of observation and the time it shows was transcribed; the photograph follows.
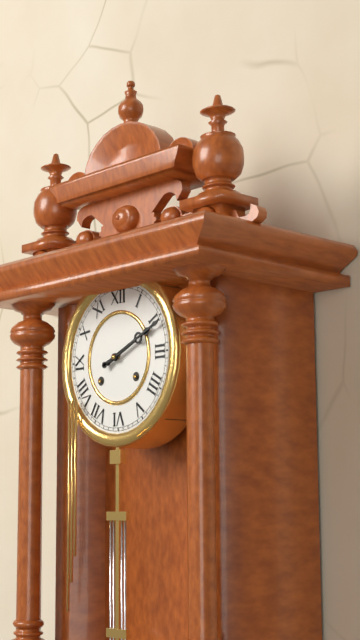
2:11
